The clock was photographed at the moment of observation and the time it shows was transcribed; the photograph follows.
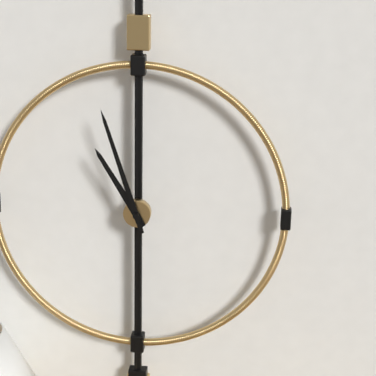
10:57
